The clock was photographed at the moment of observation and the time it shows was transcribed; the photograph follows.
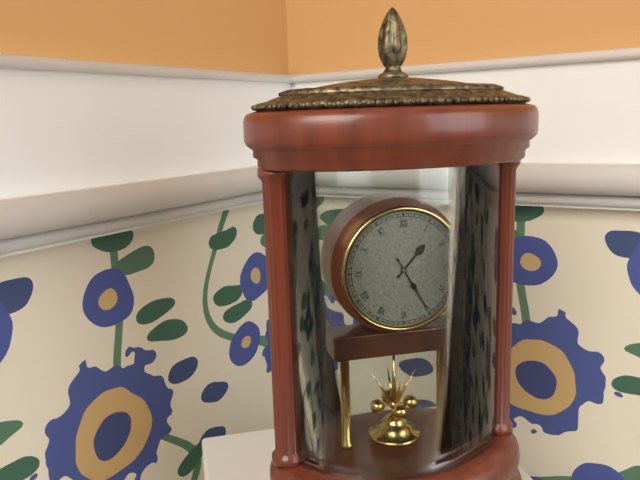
1:25
